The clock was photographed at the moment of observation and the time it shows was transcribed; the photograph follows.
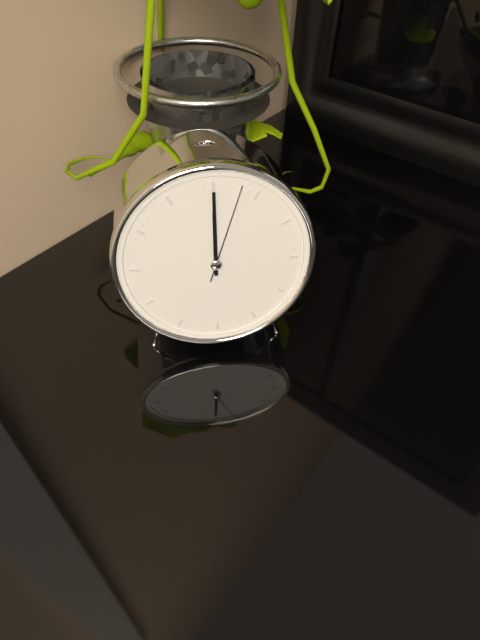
12:00:03
